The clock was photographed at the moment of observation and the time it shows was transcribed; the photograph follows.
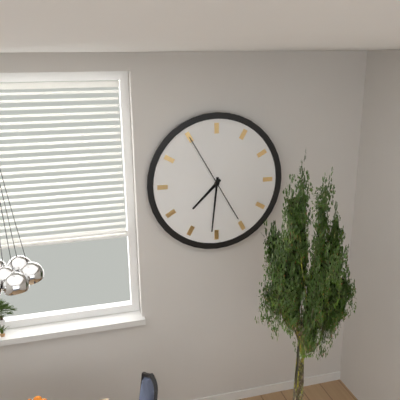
7:31:55
